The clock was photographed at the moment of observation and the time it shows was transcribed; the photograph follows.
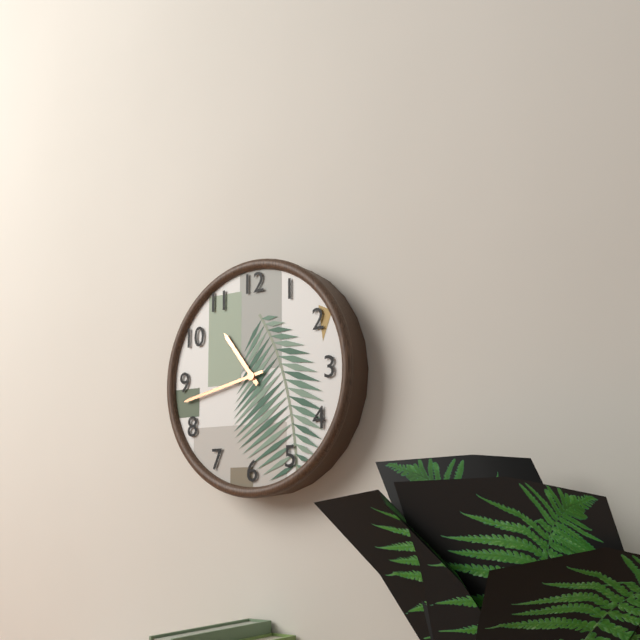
10:43
